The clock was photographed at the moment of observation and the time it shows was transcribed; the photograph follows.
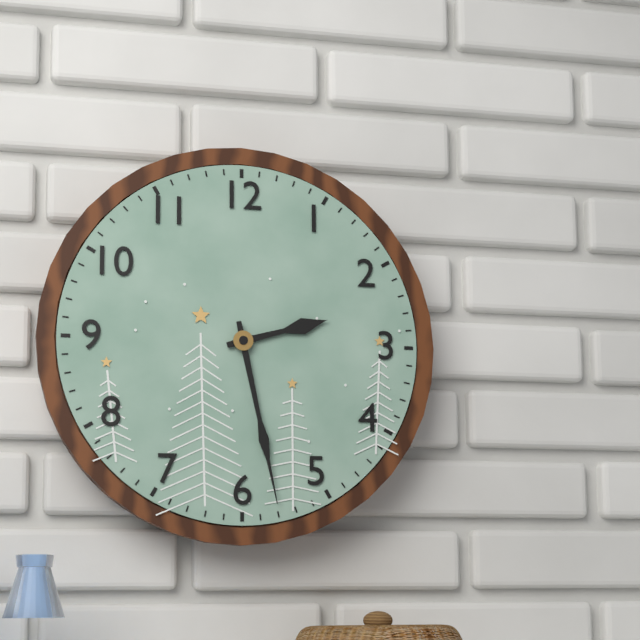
2:28
